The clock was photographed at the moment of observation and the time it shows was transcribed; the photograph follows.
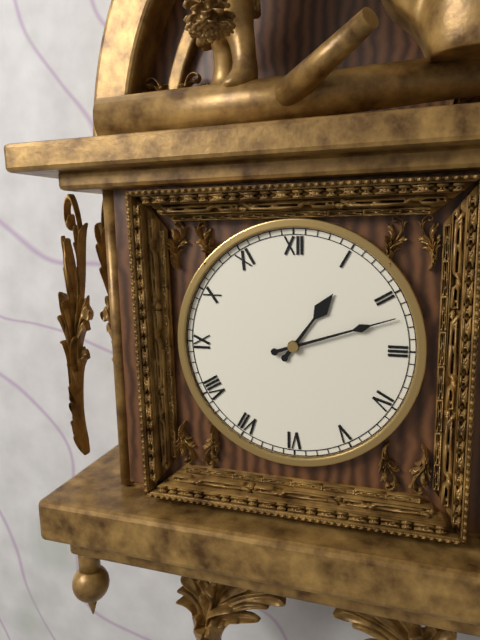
1:12
